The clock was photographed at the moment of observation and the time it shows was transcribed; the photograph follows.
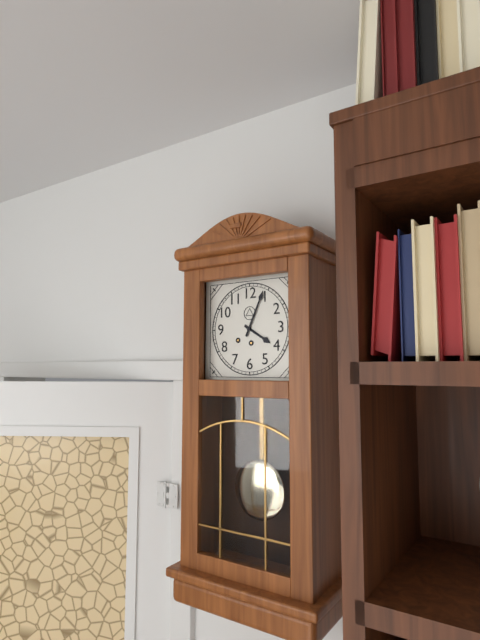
4:04
